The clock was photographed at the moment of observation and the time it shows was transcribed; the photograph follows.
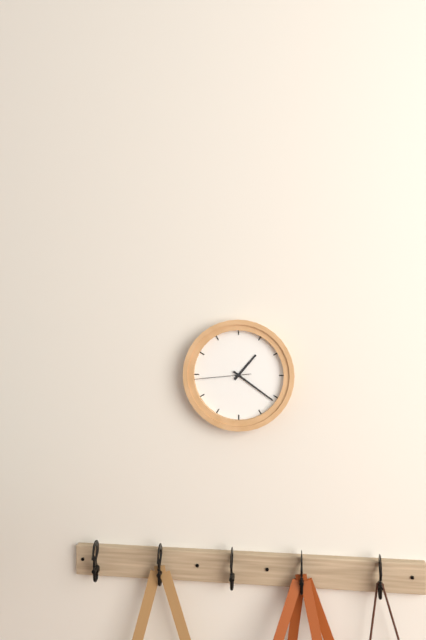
1:21:44
